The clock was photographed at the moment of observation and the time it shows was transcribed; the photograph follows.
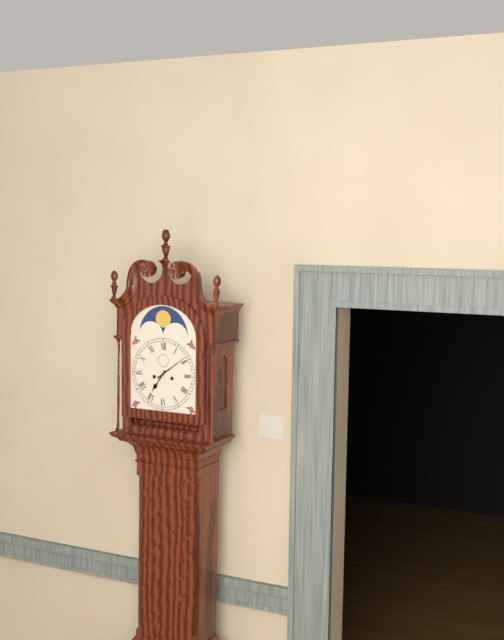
7:09
